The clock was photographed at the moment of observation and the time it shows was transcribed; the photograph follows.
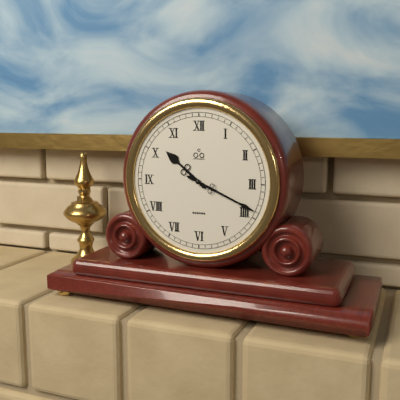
10:19
